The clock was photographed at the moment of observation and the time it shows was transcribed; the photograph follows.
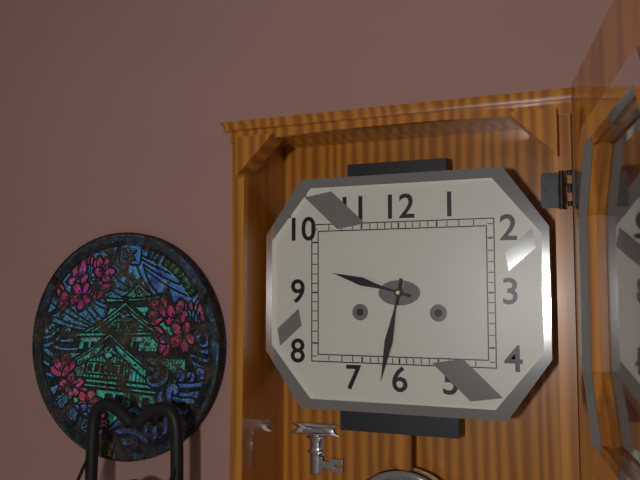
9:32
